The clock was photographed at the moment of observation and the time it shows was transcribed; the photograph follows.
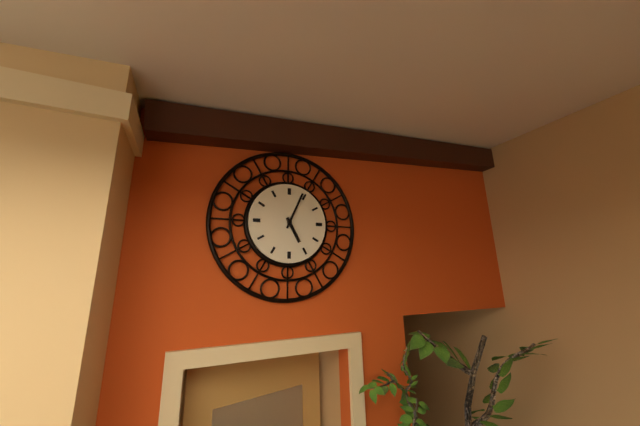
5:04
